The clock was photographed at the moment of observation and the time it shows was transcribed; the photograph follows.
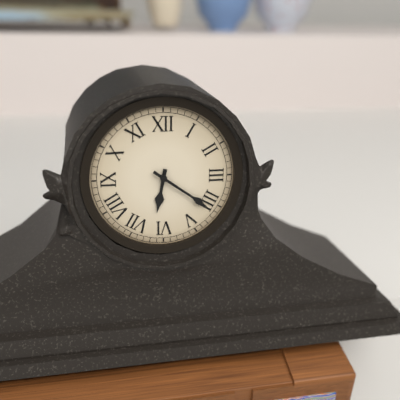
6:21
